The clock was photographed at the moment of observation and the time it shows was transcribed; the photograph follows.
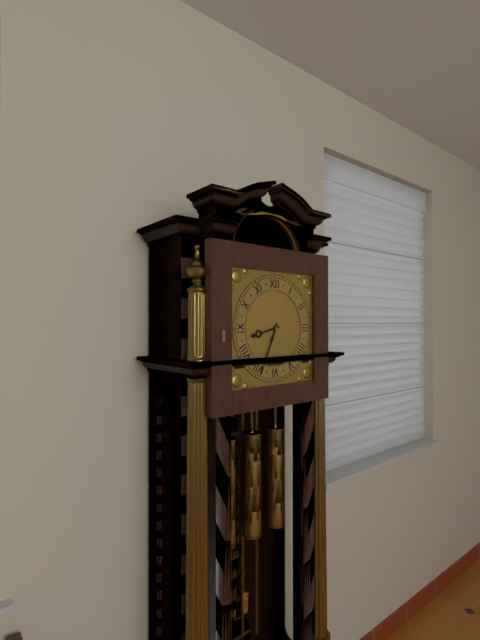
8:34
